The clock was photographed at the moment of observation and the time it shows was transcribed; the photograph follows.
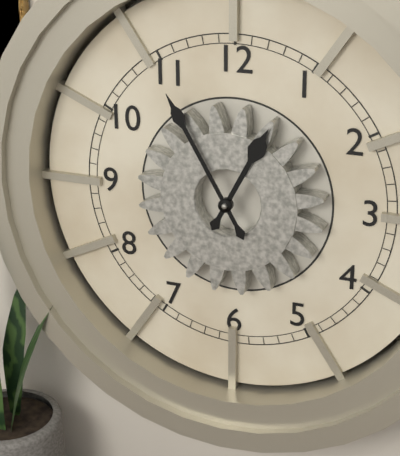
12:55
